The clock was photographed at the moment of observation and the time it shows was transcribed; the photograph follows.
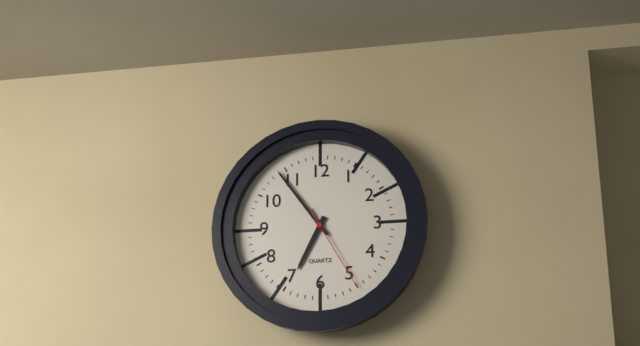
6:54:25
